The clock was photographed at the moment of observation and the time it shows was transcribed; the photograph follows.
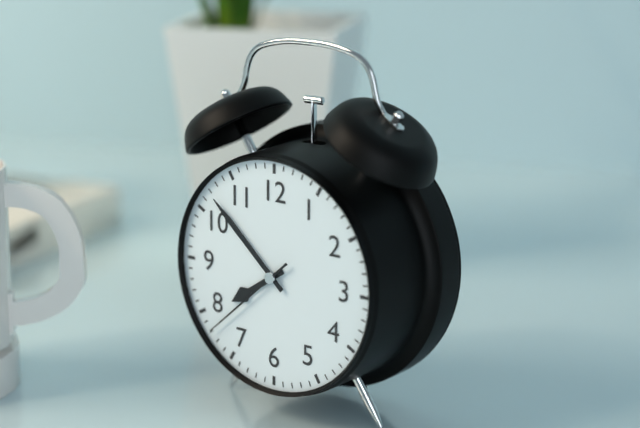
7:52:38
